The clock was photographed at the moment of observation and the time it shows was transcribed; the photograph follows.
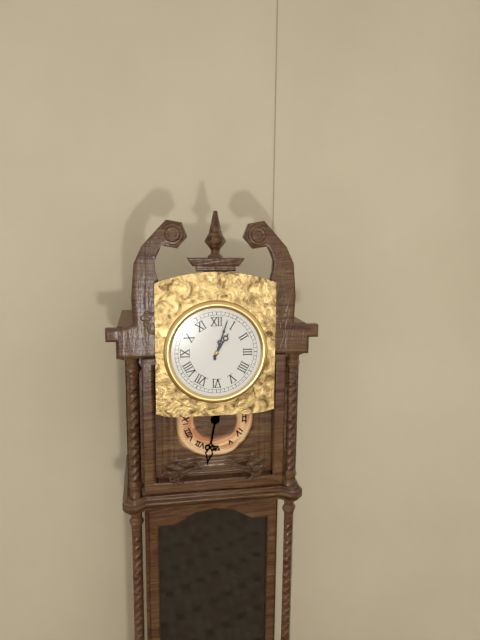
1:03
